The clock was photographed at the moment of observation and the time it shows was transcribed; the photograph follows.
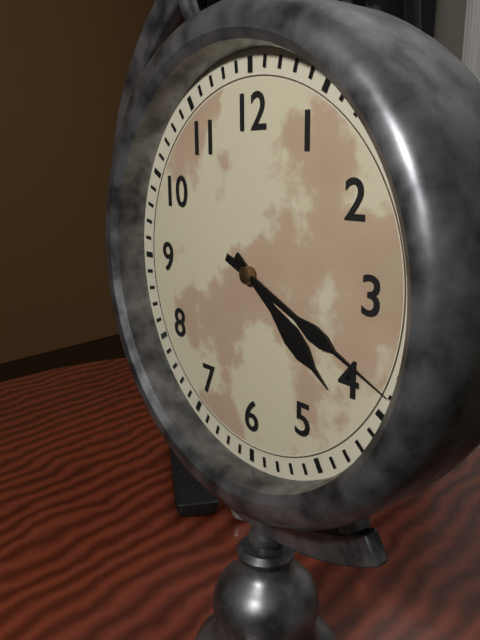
4:19
